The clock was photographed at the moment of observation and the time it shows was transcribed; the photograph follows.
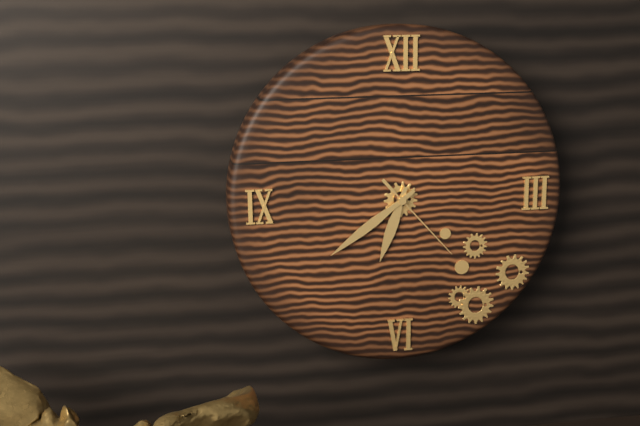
6:39:23
